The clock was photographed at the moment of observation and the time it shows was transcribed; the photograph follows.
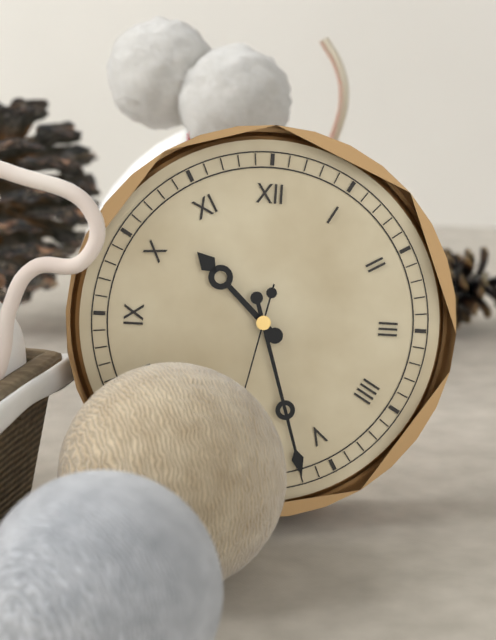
10:27
